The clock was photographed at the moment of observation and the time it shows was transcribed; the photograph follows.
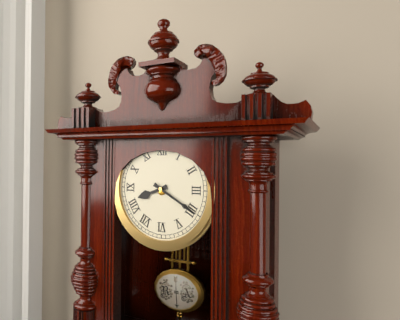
8:20
